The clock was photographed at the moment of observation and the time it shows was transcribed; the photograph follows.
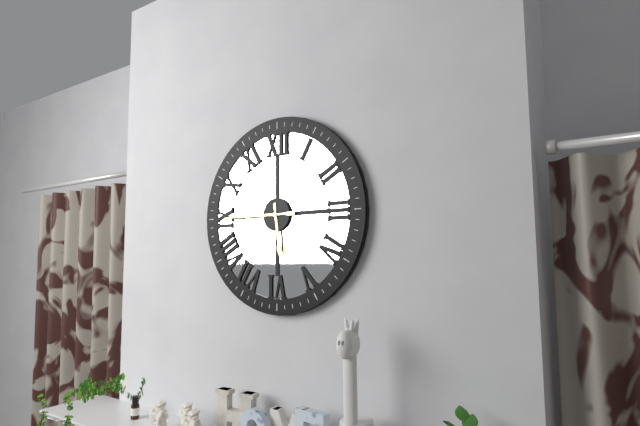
5:45
